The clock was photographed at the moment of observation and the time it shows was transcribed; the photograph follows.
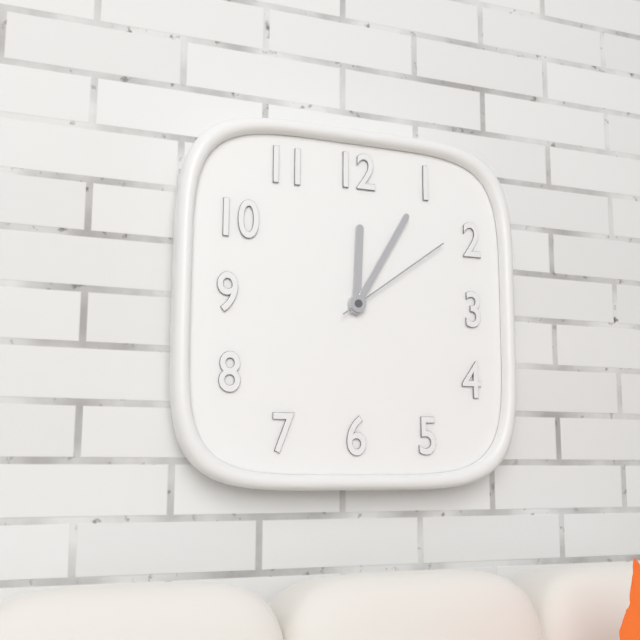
12:05:09
